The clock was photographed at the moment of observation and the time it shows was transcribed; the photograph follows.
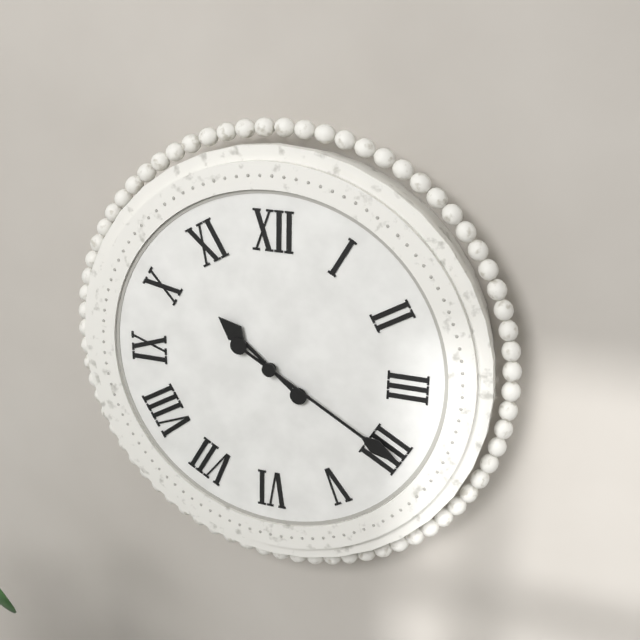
10:20
